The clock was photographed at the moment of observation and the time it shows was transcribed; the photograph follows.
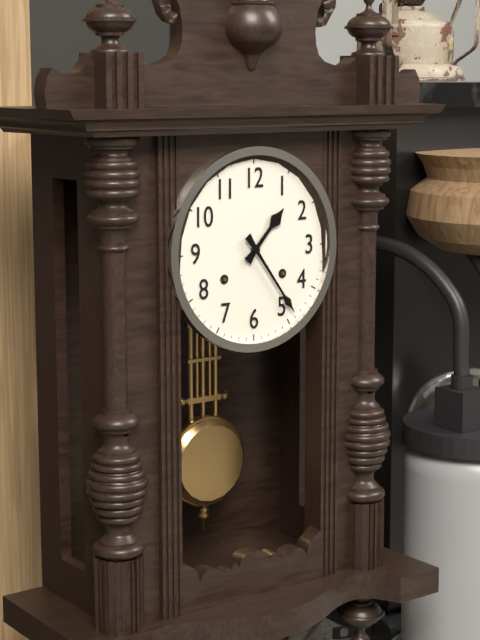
1:24
